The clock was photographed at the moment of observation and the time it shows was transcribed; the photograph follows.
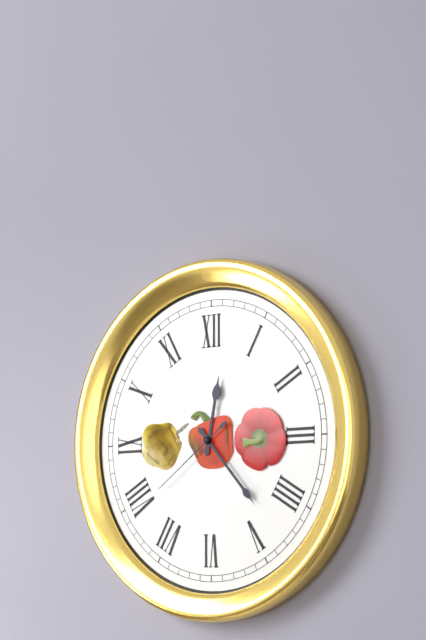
12:23:39
